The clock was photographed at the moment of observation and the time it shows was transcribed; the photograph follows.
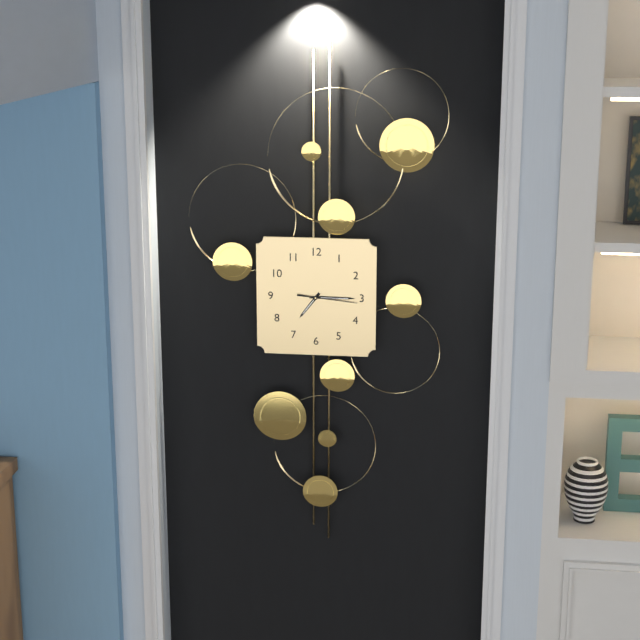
7:15:16
